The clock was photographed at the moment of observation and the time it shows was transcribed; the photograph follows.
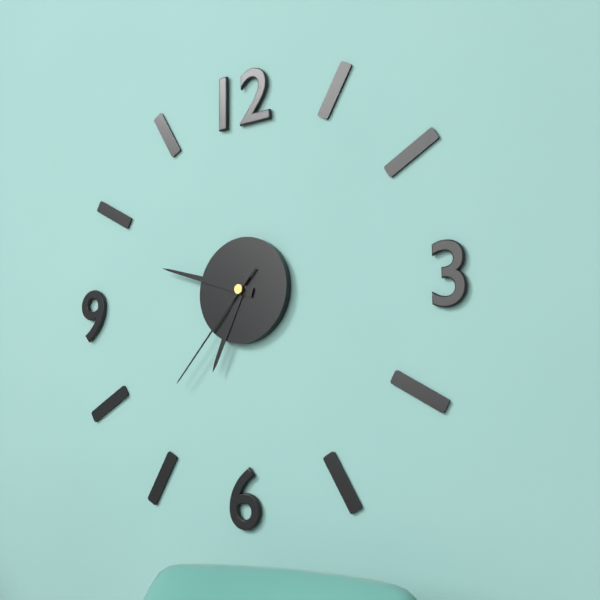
6:48:37
